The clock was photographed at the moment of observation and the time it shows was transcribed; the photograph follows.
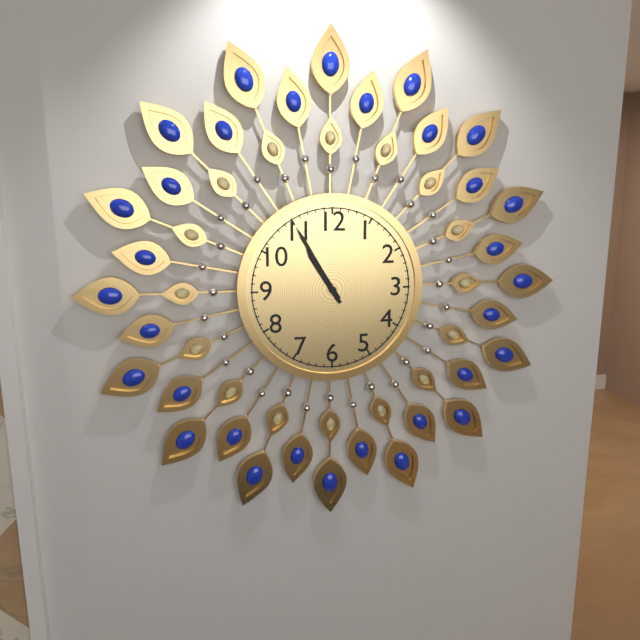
10:55
